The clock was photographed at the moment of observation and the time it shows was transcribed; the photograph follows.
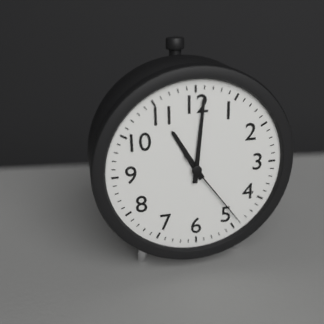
11:01:24
